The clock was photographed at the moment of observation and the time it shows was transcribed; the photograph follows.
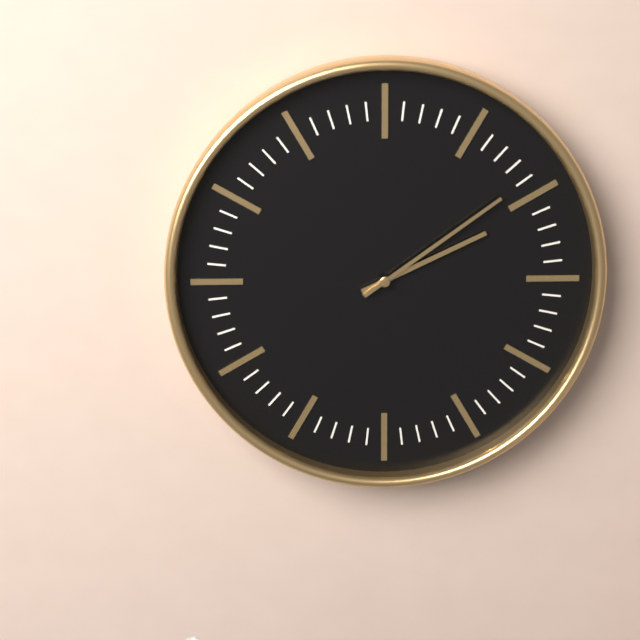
2:09
